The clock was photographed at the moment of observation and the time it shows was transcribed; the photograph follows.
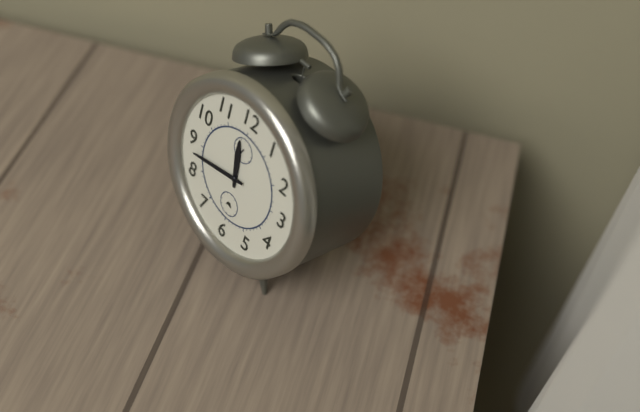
11:43
